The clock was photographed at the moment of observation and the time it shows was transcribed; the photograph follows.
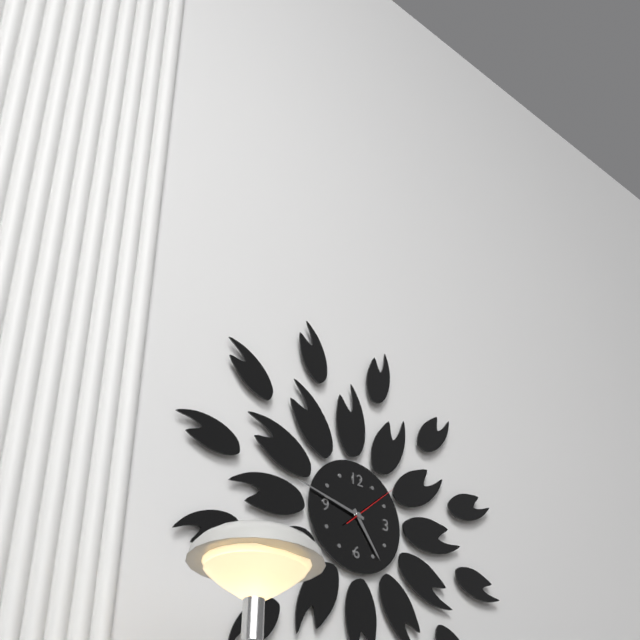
4:47:08
